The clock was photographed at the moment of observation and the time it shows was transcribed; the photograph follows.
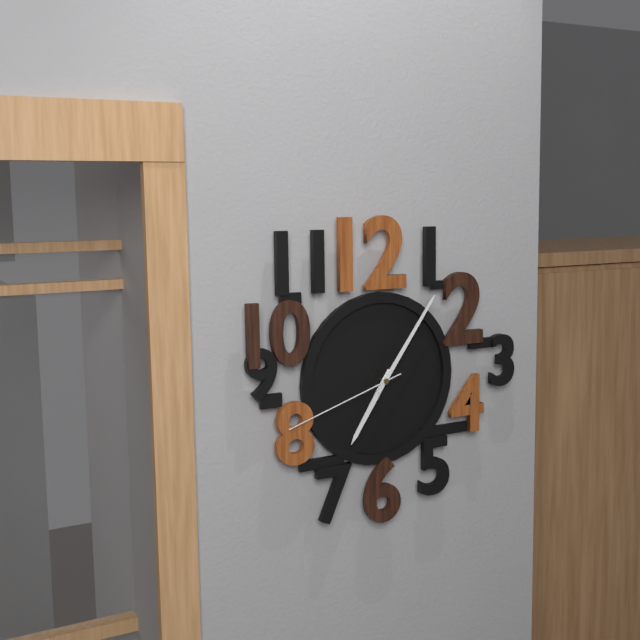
7:06:42
